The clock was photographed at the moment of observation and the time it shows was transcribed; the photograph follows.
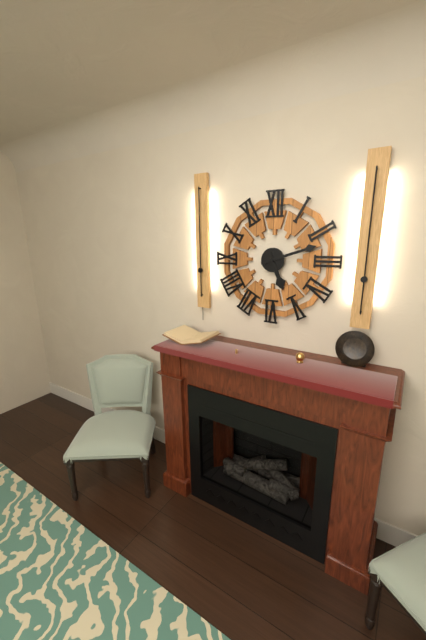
5:12
